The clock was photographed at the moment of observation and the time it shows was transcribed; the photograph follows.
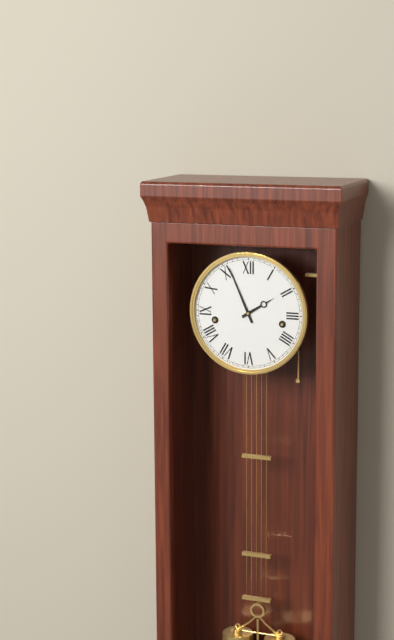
1:56
